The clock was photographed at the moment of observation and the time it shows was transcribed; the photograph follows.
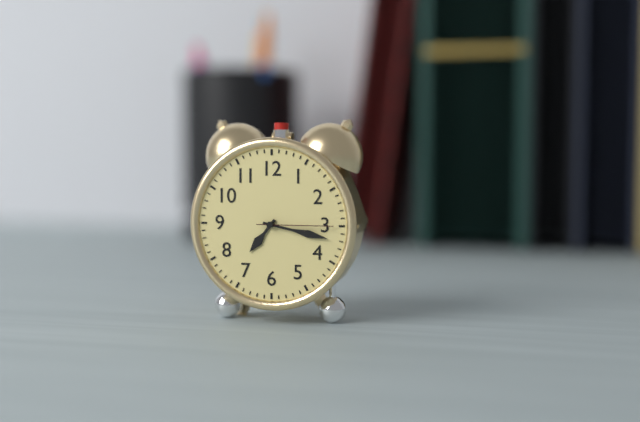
7:17:15
